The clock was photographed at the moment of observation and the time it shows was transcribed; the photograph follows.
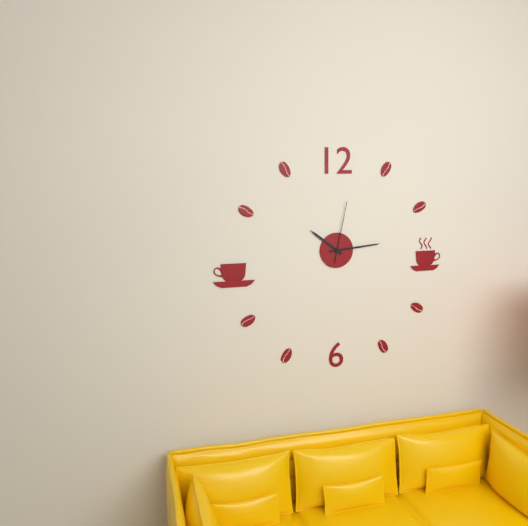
10:14:02
